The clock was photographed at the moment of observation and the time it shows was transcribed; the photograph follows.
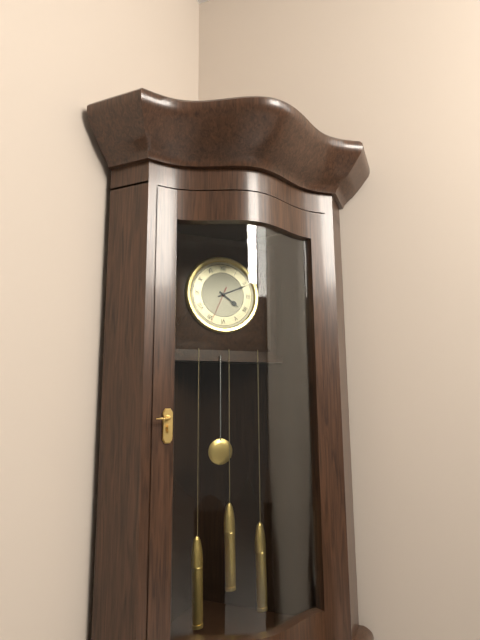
4:11
